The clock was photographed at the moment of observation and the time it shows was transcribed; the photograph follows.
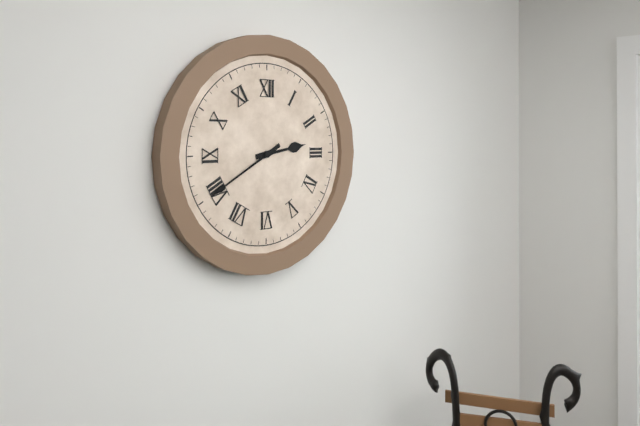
2:40
